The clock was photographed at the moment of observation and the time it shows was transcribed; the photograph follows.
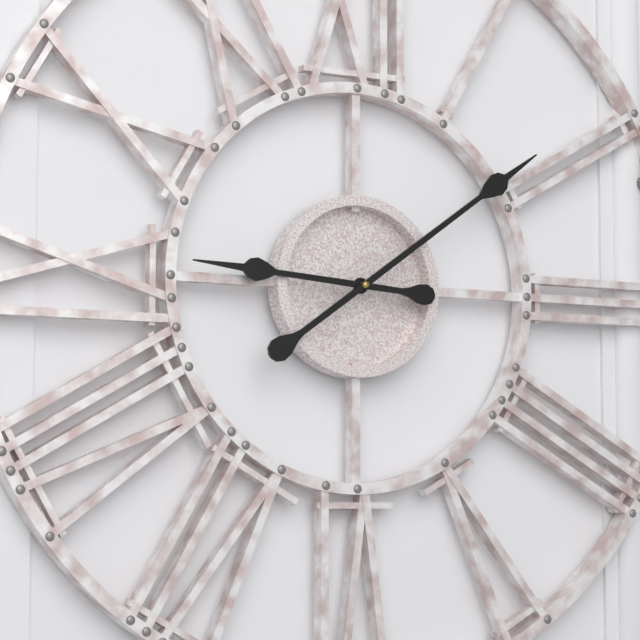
9:09
